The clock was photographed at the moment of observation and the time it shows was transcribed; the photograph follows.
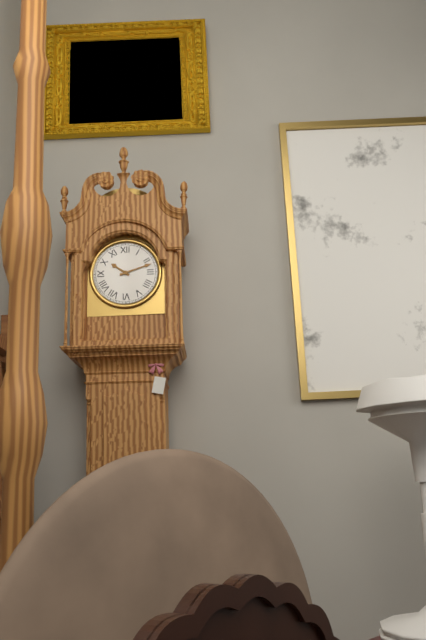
10:12
